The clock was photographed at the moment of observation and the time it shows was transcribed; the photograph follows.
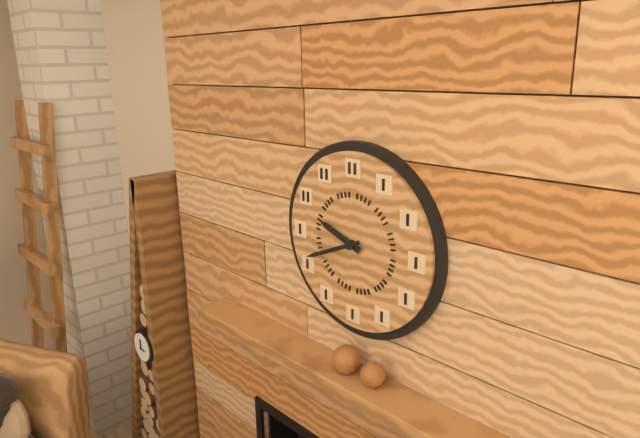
9:41
